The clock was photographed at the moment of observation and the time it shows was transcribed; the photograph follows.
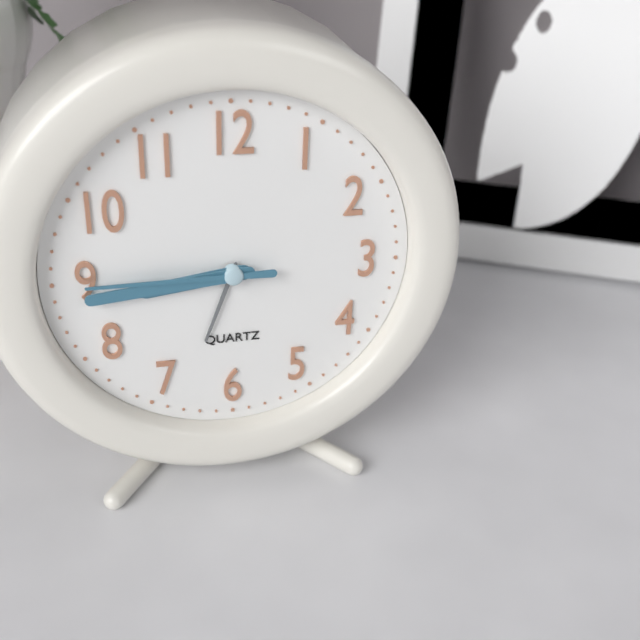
8:44:45
